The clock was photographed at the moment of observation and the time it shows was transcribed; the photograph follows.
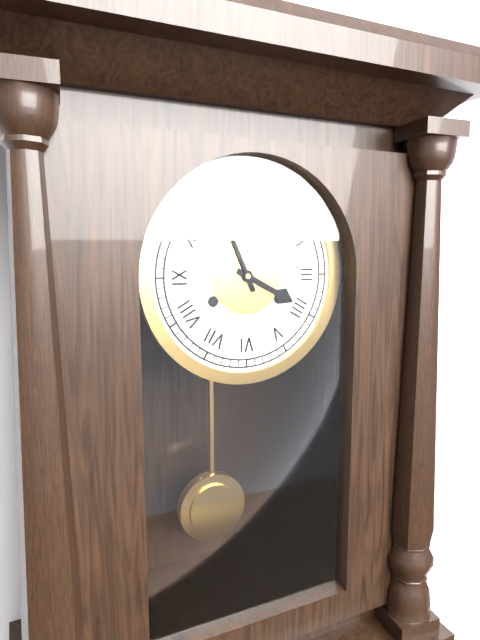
3:56
